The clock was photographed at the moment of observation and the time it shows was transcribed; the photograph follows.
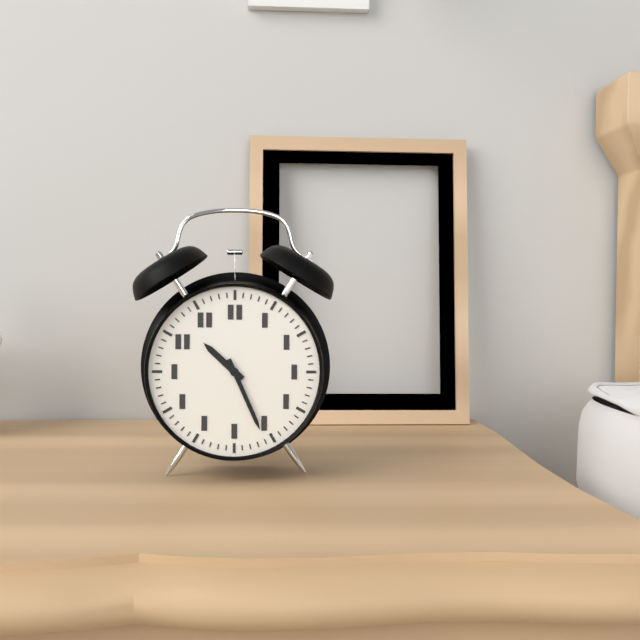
10:26
